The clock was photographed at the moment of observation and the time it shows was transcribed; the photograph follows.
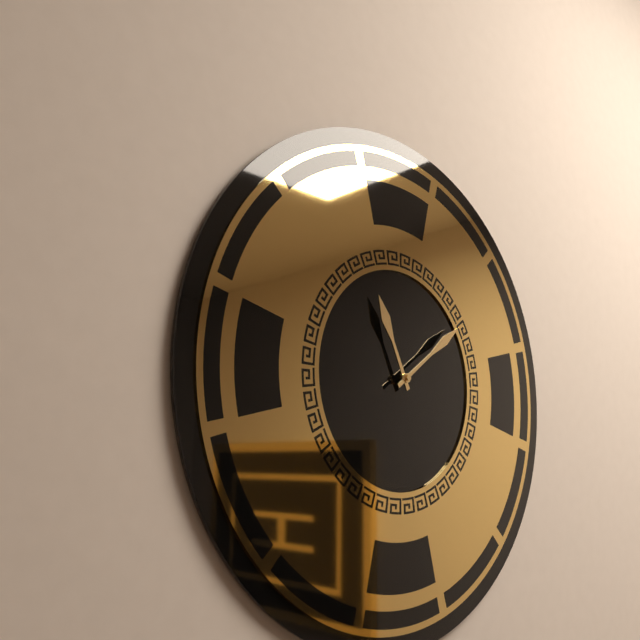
11:09
